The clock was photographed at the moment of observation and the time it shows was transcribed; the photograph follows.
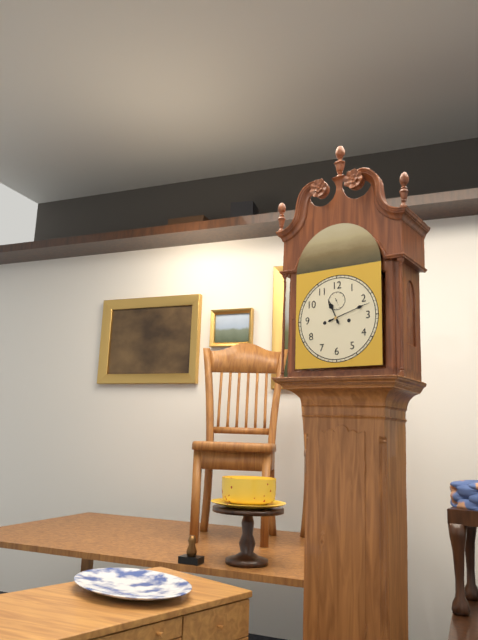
11:12
